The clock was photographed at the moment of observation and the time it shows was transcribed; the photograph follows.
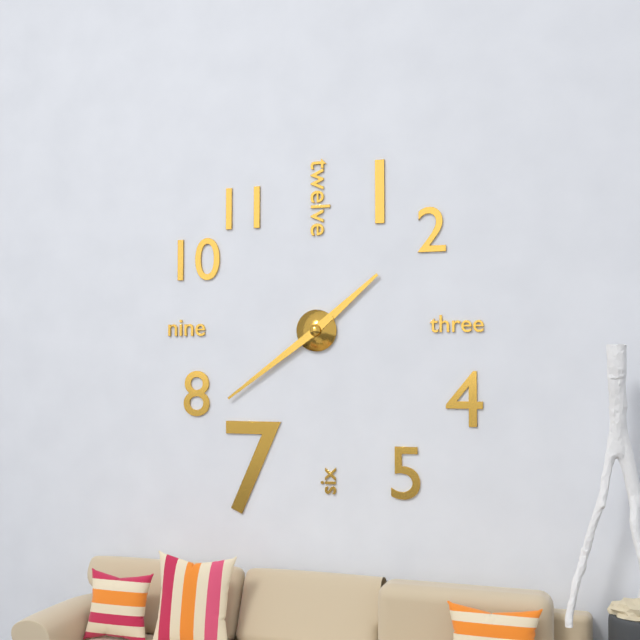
1:39
